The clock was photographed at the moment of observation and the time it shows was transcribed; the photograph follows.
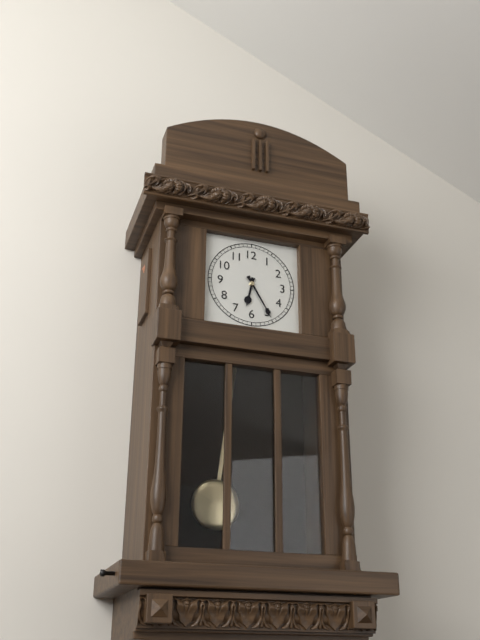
6:25
